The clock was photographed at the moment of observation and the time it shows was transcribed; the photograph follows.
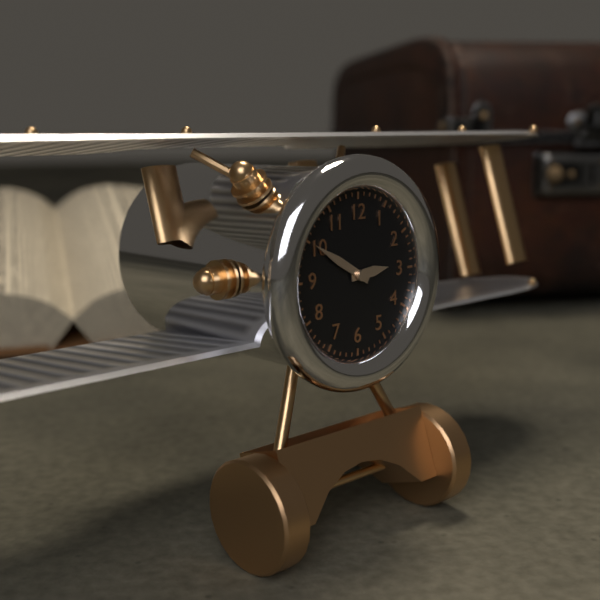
2:50
